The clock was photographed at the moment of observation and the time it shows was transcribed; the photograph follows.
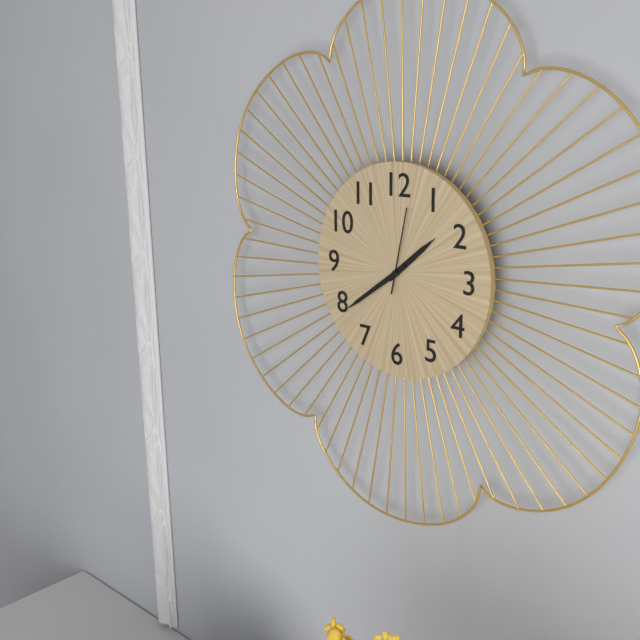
1:39:02
